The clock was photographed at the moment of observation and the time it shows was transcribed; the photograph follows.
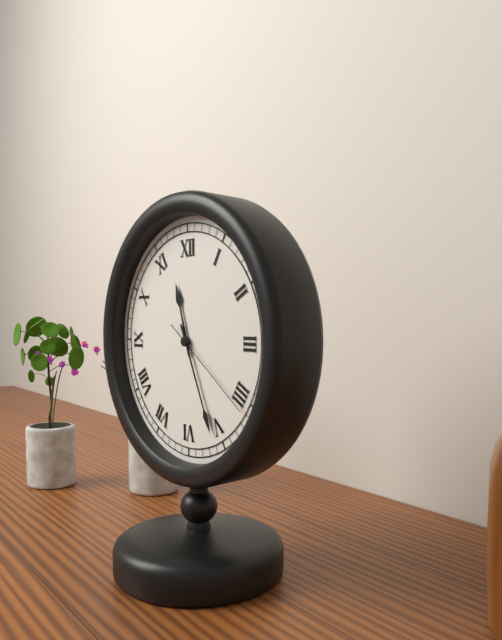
11:26:21
